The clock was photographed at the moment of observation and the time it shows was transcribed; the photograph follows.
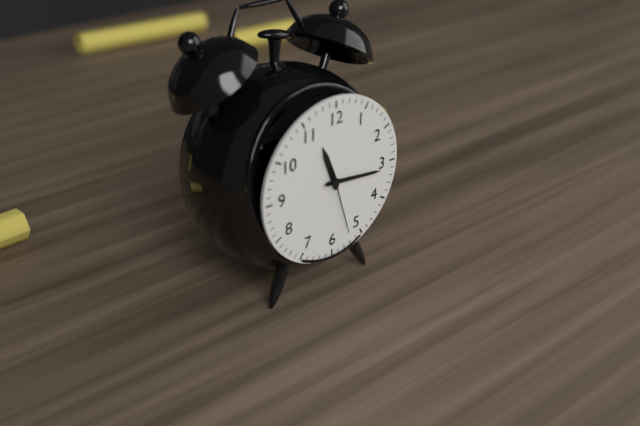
11:16:27
